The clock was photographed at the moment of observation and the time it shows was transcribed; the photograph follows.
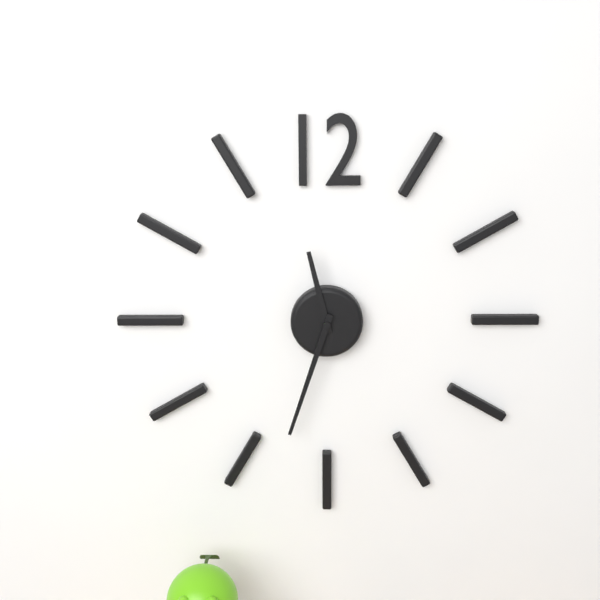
11:33
